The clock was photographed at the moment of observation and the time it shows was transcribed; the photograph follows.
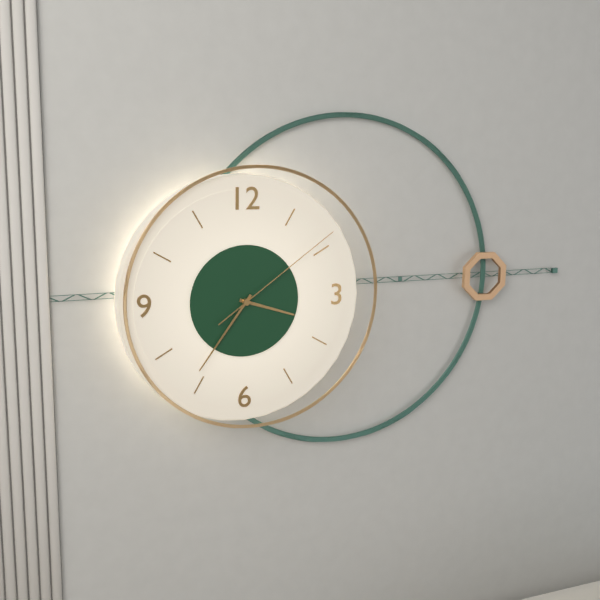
3:36:09
